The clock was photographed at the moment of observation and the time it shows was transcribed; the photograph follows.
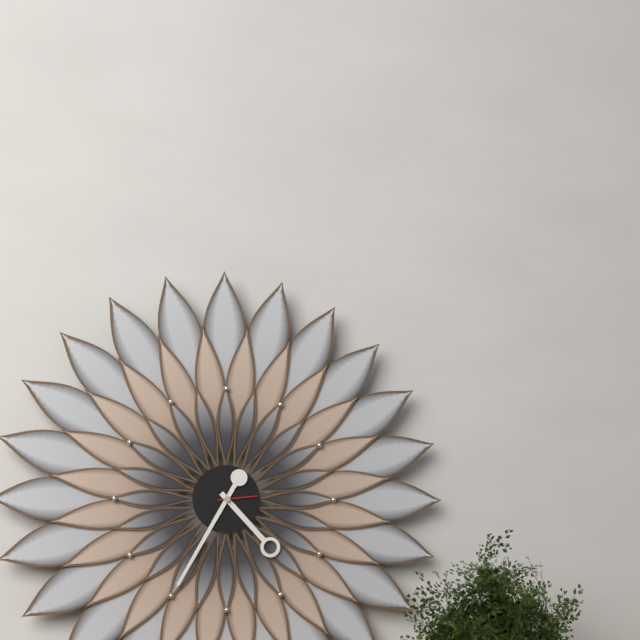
4:35
